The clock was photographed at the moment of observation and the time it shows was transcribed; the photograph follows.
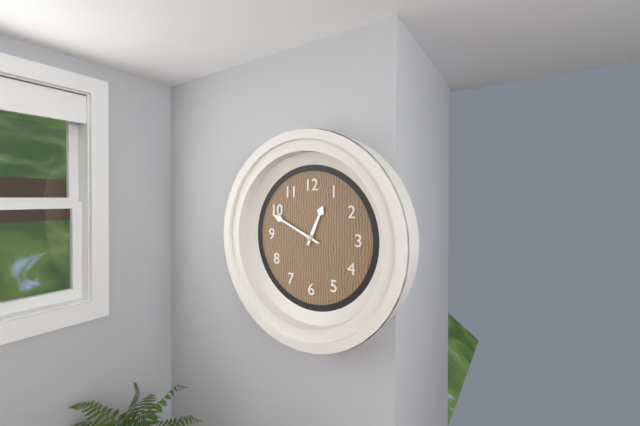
12:49
